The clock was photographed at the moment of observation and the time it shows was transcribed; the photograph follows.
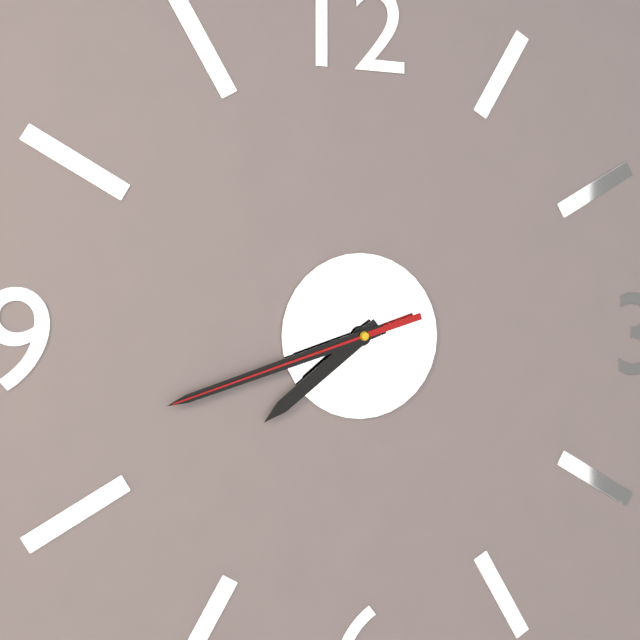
7:42:42
